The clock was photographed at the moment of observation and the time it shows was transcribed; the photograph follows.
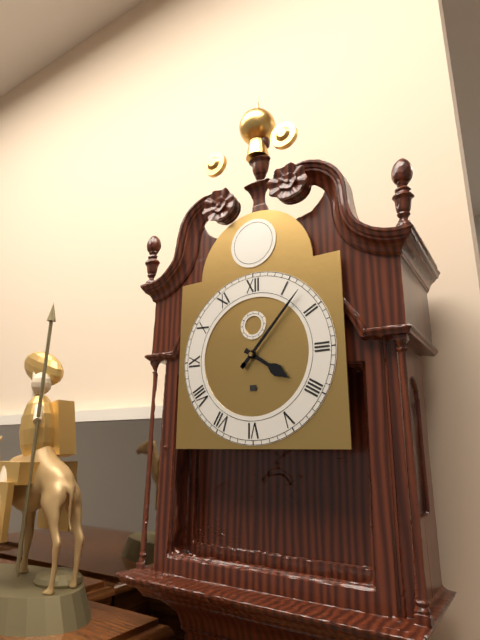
4:07
